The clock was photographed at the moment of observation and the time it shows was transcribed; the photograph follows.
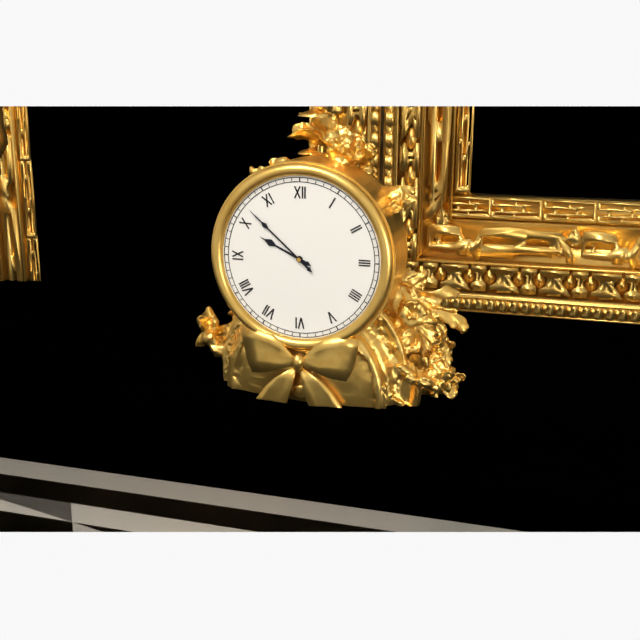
9:52
